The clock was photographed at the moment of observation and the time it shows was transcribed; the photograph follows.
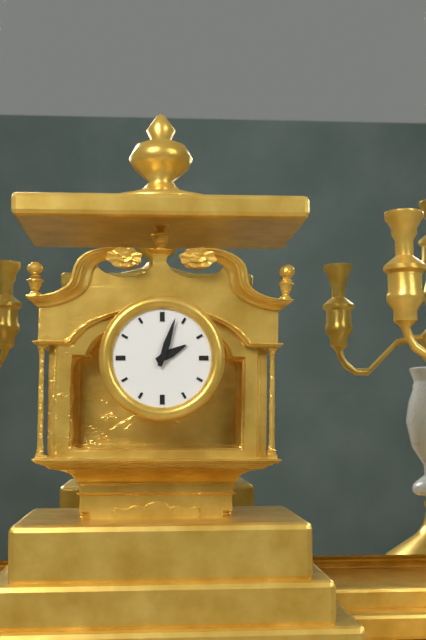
2:03
